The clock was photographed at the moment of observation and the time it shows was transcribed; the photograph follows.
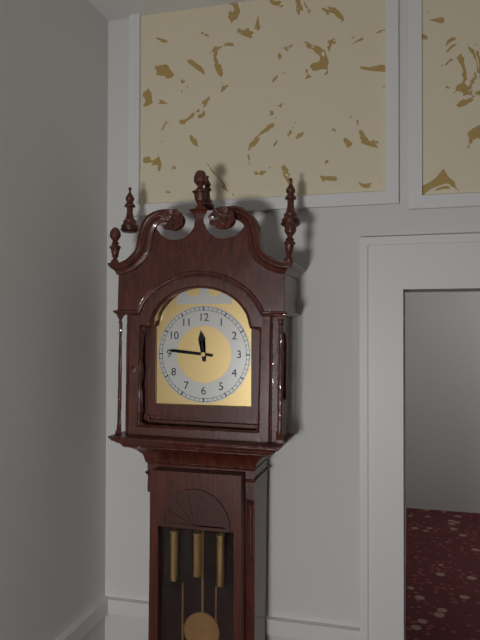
11:46
